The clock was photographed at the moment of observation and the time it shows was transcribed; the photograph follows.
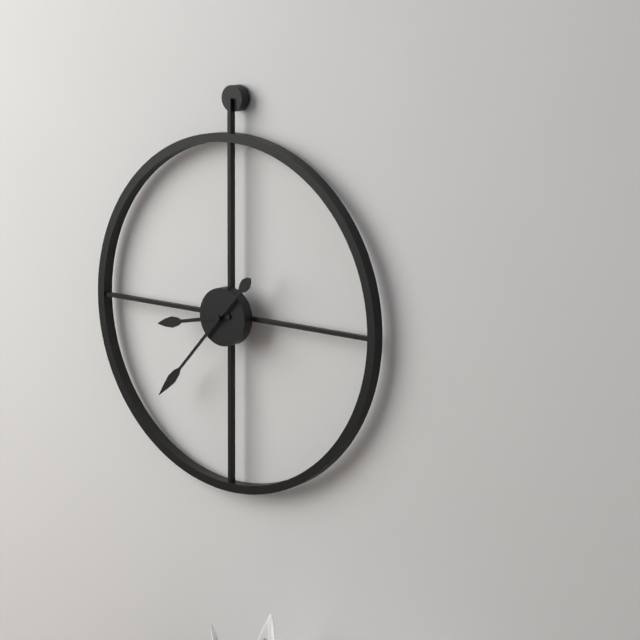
8:37
